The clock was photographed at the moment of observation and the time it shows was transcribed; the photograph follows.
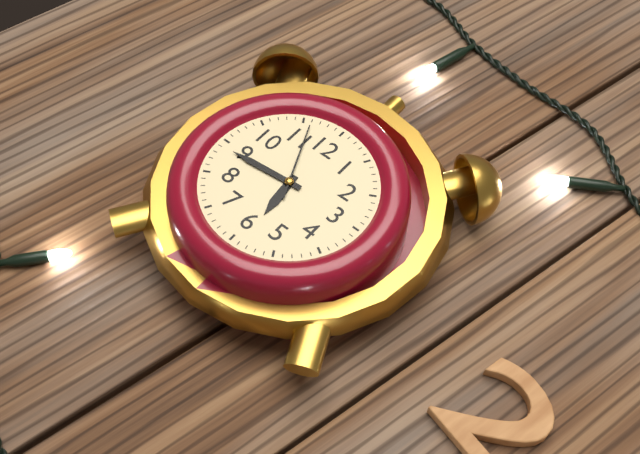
5:44:56
